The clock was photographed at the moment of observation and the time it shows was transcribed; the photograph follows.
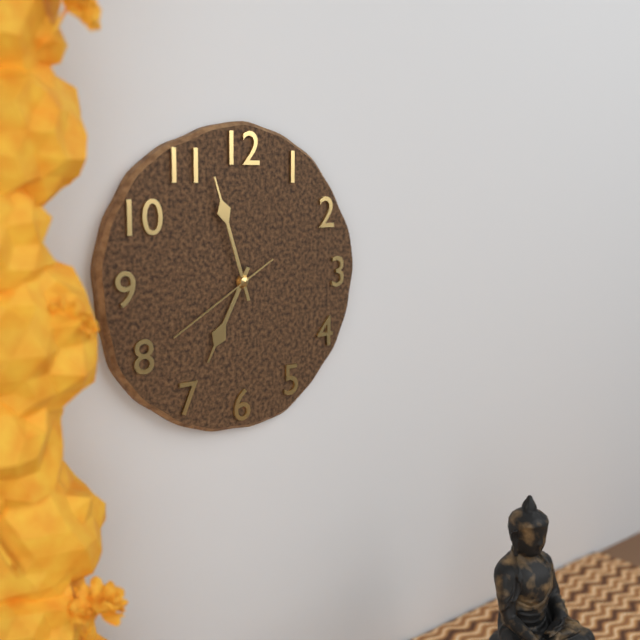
6:57:40
